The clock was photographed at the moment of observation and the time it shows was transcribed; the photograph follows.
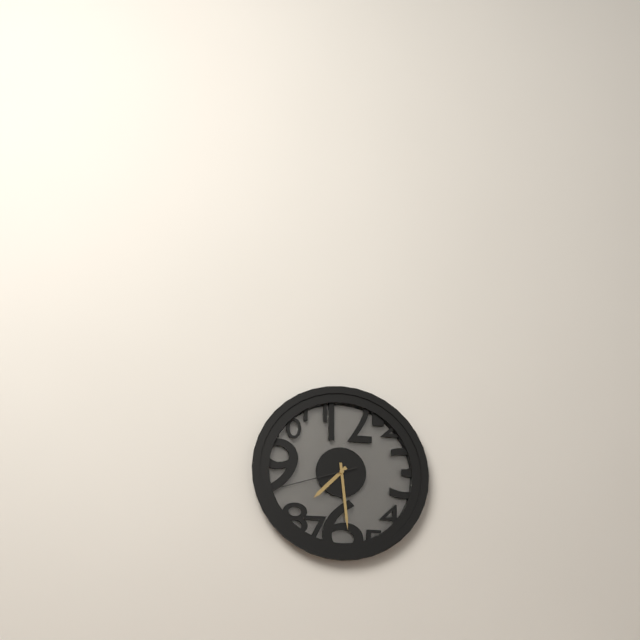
7:29:42
